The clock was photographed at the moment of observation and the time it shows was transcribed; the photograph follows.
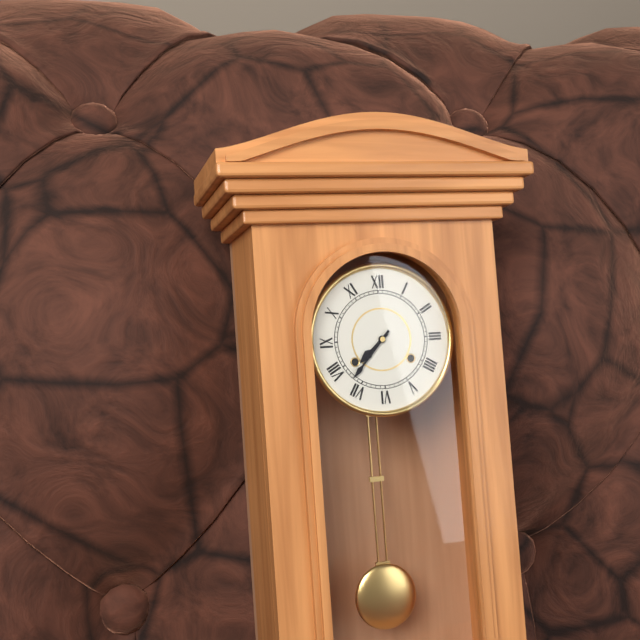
7:37
